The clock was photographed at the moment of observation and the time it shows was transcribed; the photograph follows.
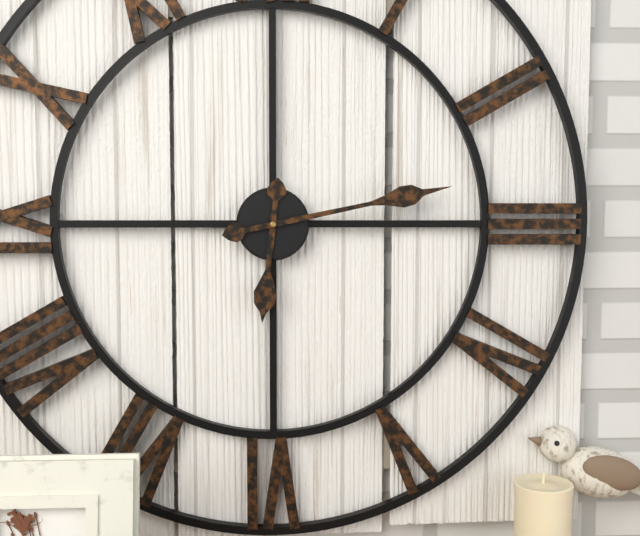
6:13
